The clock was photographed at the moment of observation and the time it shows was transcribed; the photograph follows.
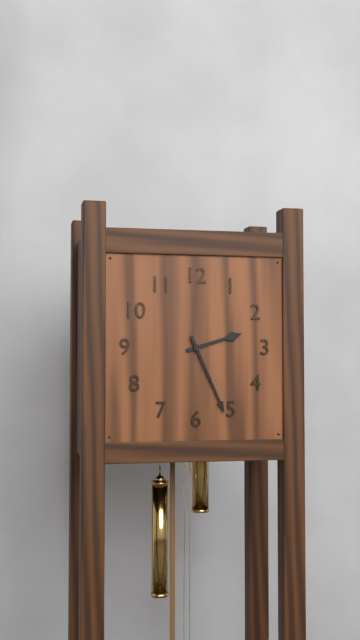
2:26
